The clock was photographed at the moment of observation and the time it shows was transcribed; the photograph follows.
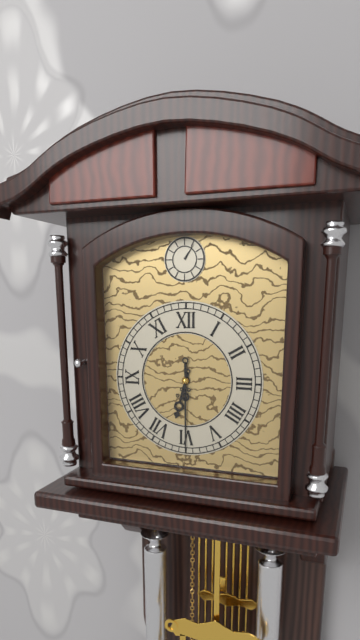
6:30
